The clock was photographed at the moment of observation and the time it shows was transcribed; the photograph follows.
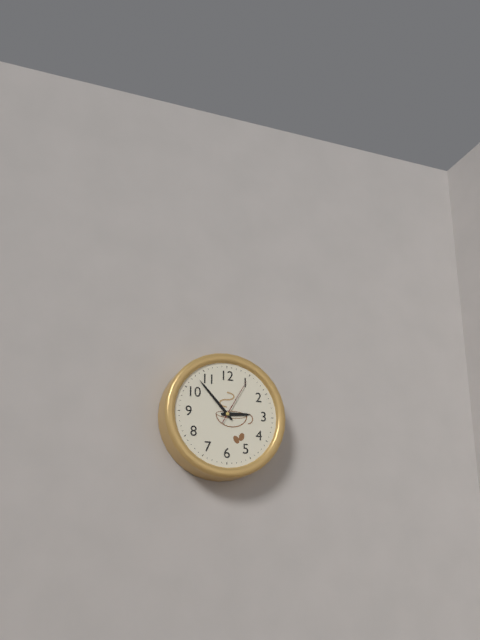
2:53
